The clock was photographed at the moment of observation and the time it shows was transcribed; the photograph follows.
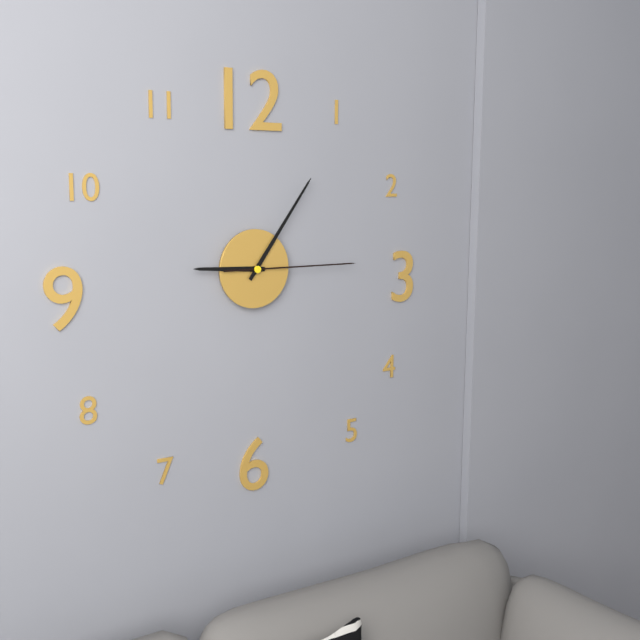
9:06:15
